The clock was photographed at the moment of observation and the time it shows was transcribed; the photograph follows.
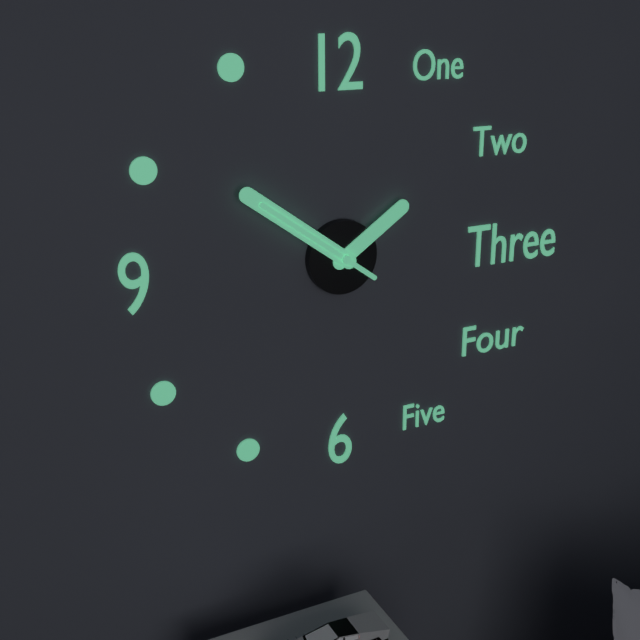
1:51:51
